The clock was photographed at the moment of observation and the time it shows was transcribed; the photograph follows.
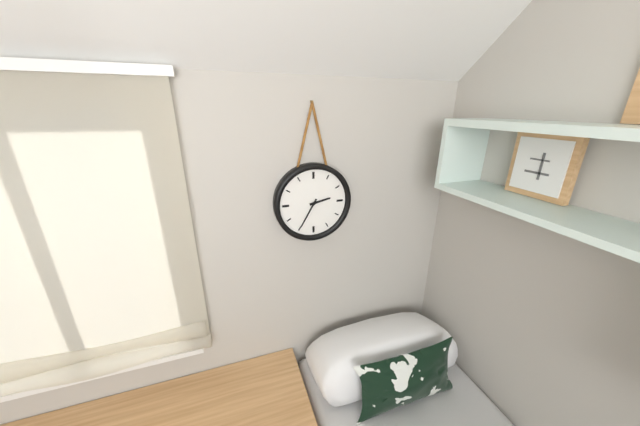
2:35
